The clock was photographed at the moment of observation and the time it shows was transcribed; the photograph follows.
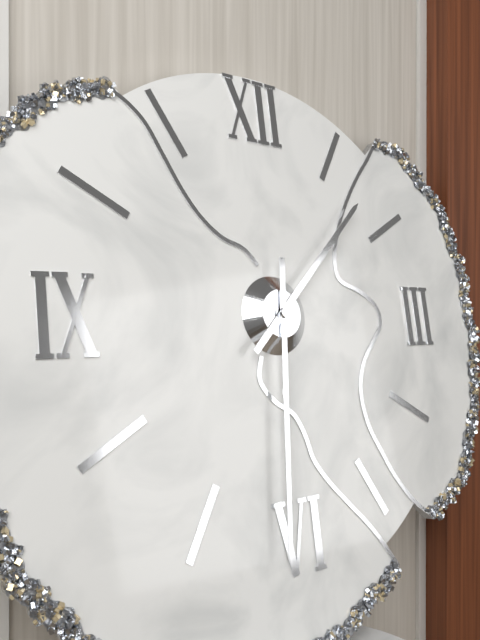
1:31
